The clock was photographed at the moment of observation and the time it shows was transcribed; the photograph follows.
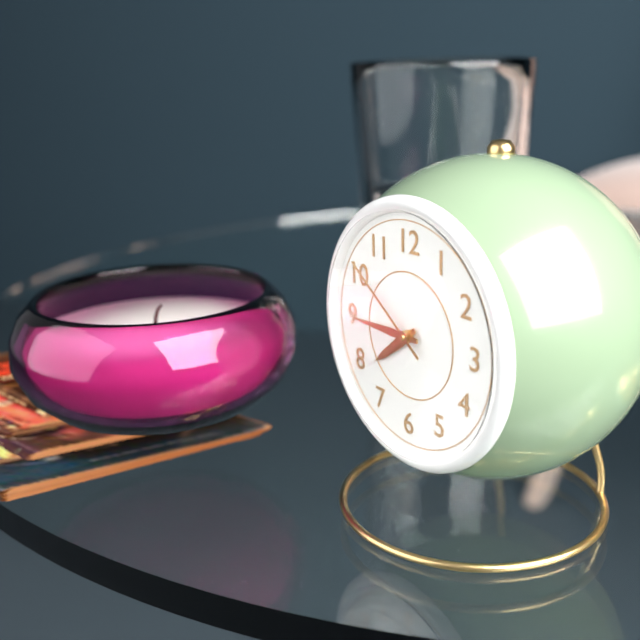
7:45:51
